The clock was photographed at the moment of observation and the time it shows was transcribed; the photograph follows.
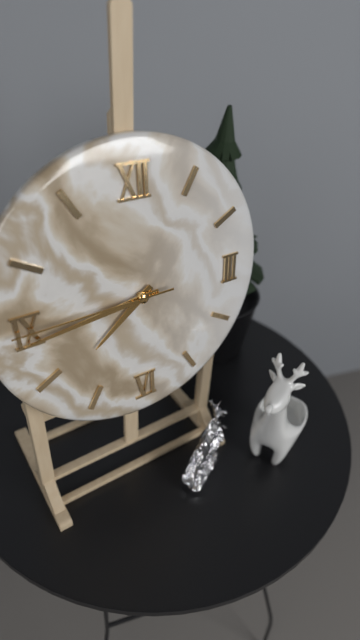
7:44:45
